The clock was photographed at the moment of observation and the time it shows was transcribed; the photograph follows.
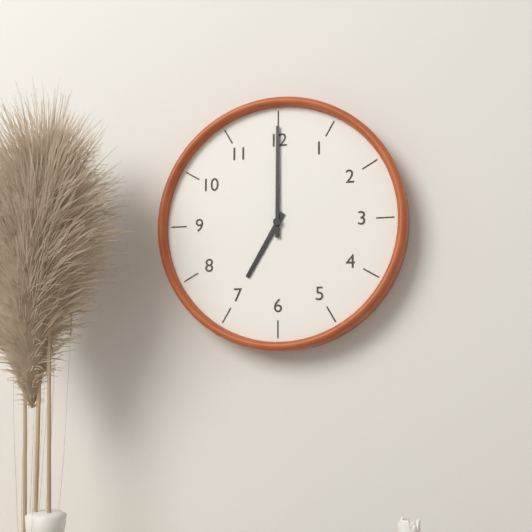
7:00
